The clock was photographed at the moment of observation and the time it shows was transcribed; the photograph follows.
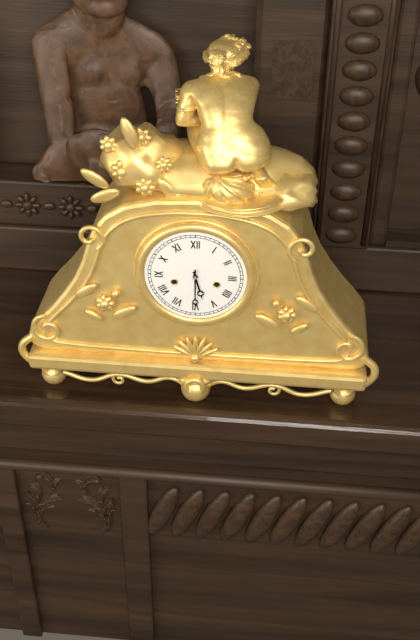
5:30
